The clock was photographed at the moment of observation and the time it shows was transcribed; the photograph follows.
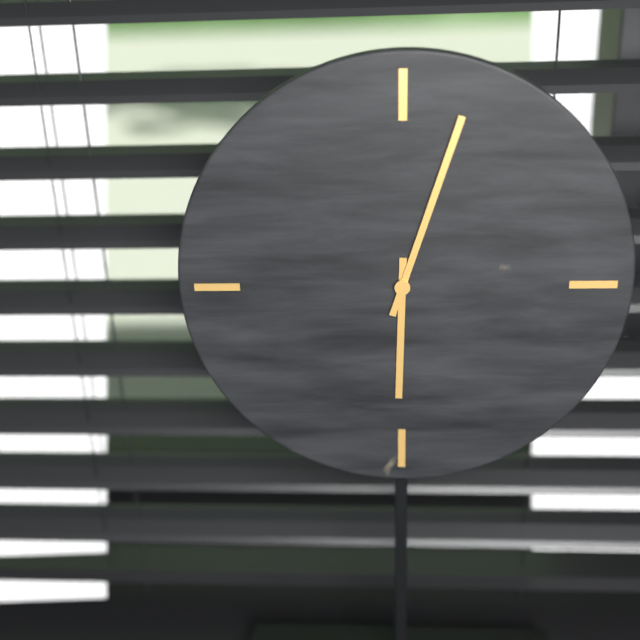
6:03
